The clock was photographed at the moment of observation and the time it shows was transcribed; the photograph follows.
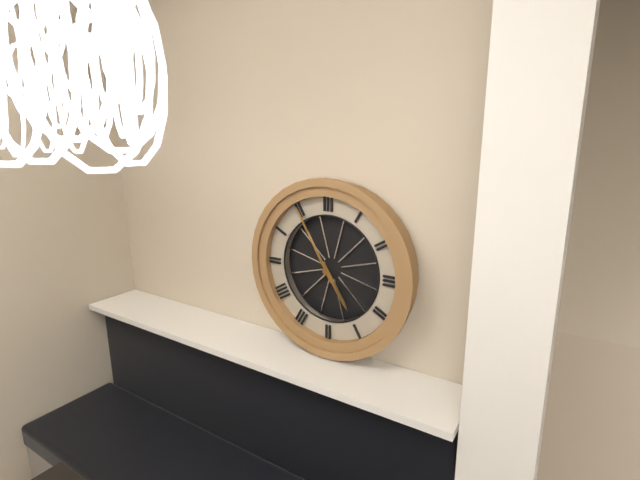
4:55
